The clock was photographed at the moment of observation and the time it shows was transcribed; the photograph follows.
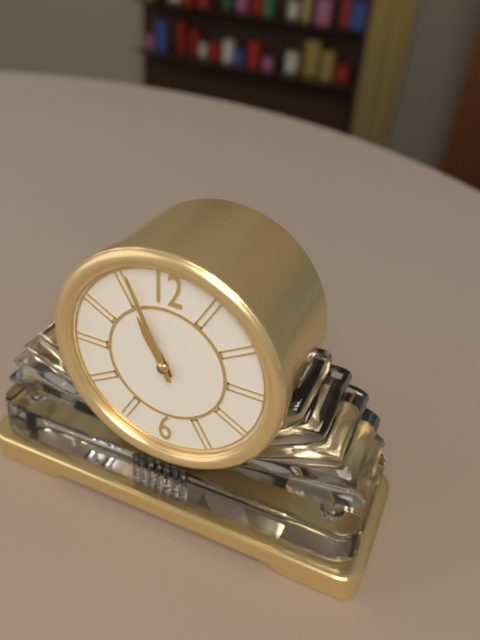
10:56
